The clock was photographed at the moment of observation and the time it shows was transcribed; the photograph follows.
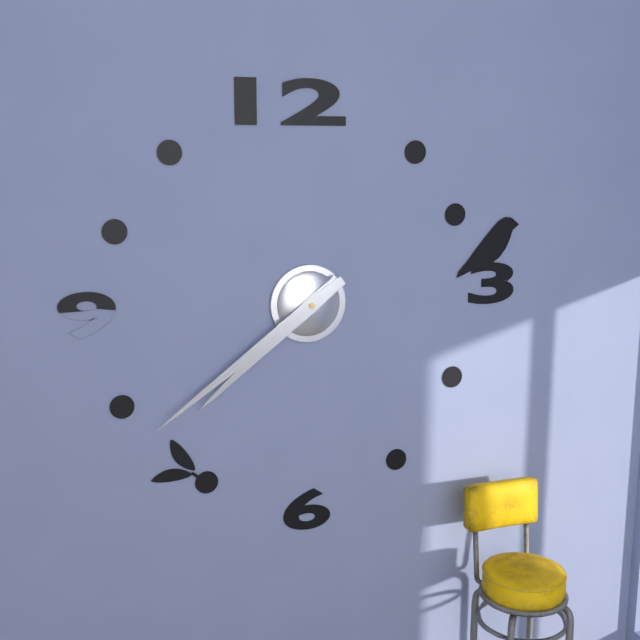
7:39
